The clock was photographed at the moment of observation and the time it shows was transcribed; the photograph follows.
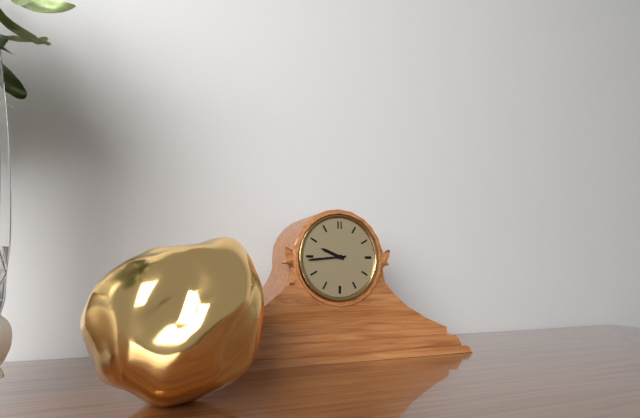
9:44
